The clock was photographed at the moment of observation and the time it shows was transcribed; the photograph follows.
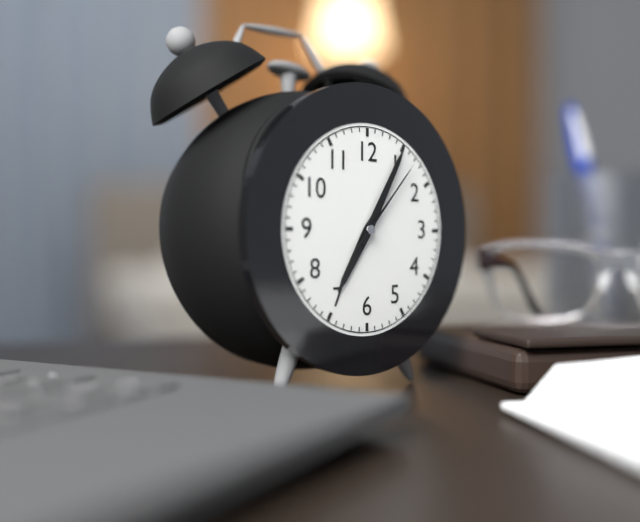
7:05:07
